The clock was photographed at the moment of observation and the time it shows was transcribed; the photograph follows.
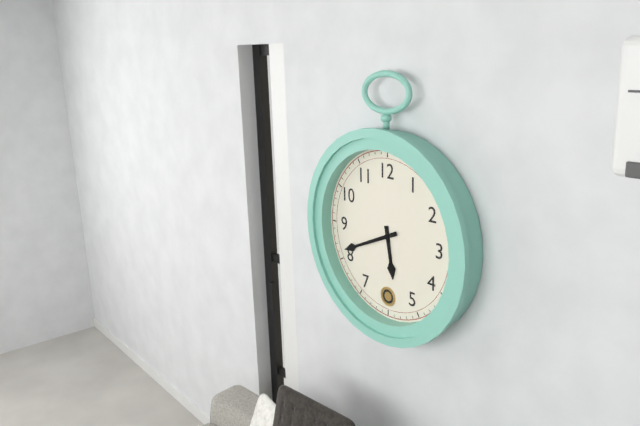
5:41
